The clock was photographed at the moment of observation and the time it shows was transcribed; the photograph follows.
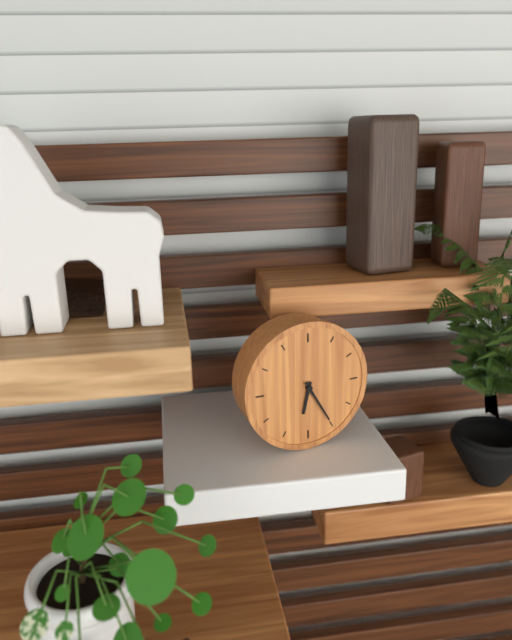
6:25
